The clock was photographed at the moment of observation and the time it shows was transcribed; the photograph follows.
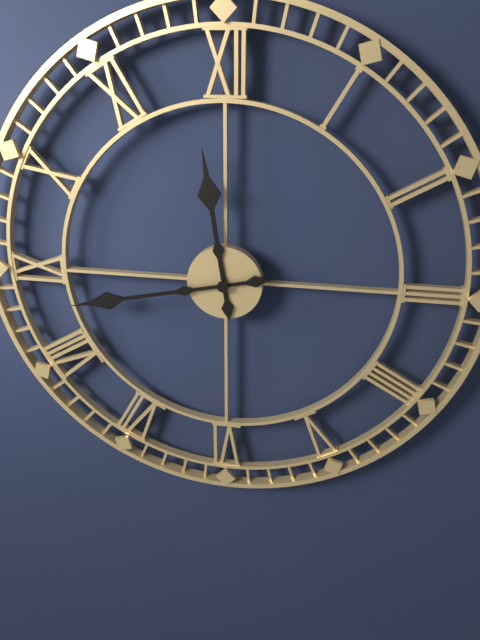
11:43
